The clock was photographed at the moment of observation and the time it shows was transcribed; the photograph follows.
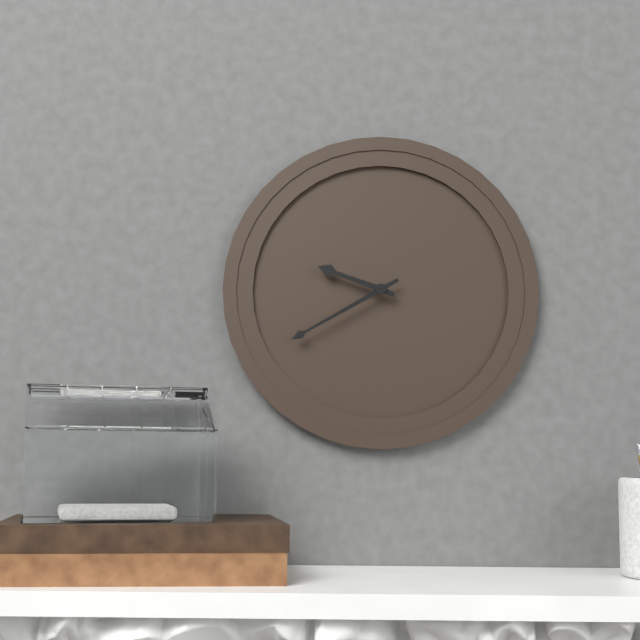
9:40
